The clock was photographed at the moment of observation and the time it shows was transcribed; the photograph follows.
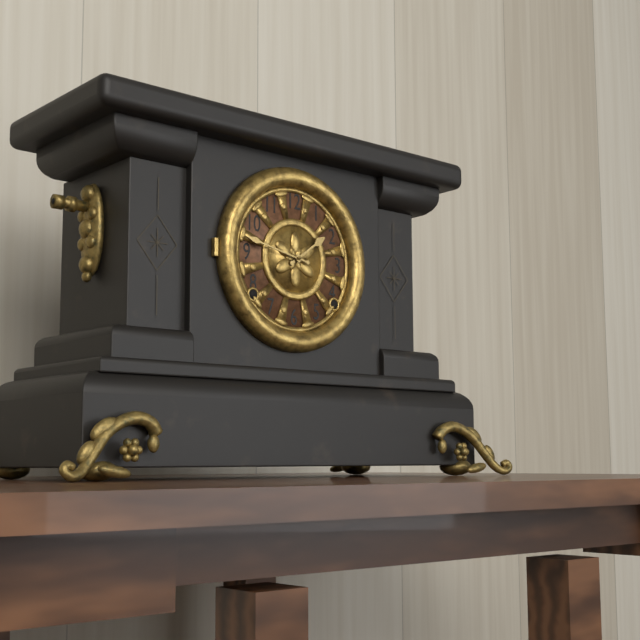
1:47
